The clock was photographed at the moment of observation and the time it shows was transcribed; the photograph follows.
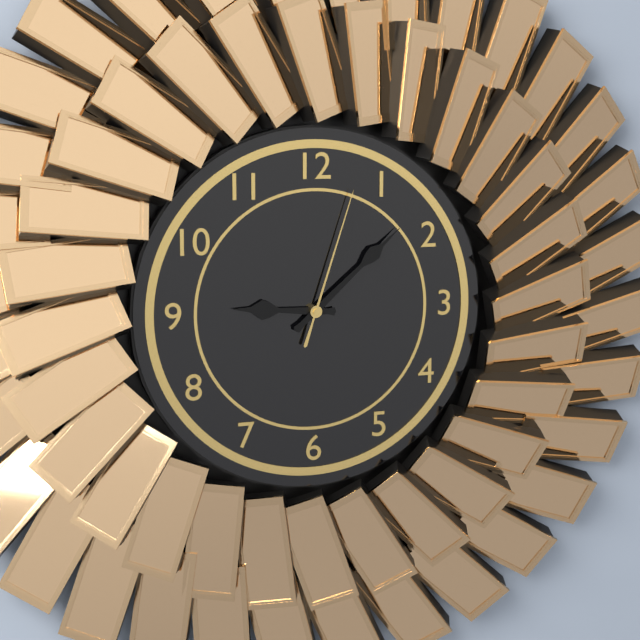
9:08:03
